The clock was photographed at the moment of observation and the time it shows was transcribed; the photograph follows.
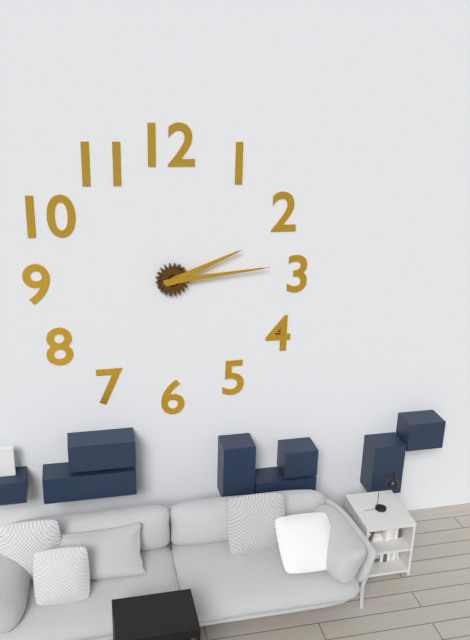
2:14
